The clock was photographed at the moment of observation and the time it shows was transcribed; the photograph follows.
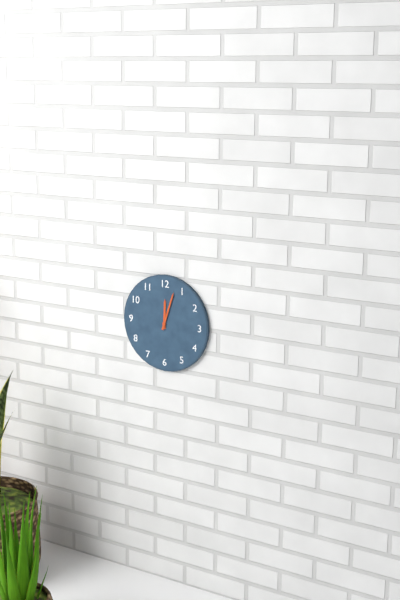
12:03
